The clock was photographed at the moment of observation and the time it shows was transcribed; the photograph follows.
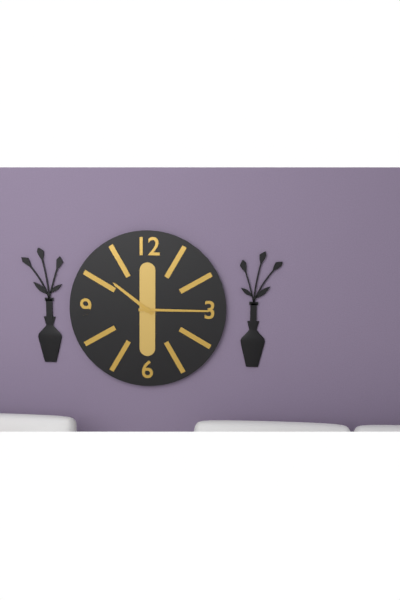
10:15
